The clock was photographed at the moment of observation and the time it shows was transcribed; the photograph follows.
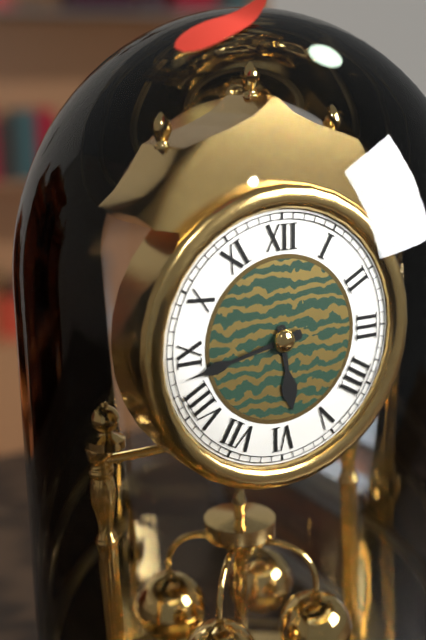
5:43
